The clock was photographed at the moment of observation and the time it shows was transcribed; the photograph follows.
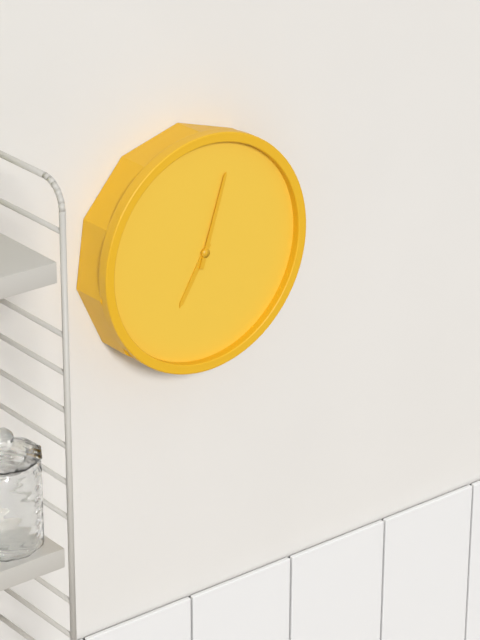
7:03
